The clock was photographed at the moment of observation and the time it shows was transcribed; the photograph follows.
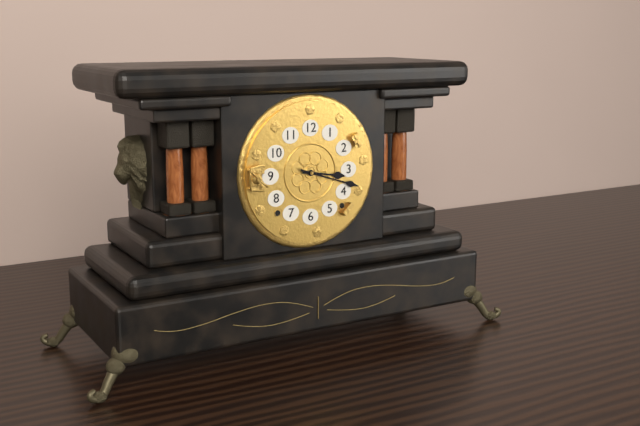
3:18
